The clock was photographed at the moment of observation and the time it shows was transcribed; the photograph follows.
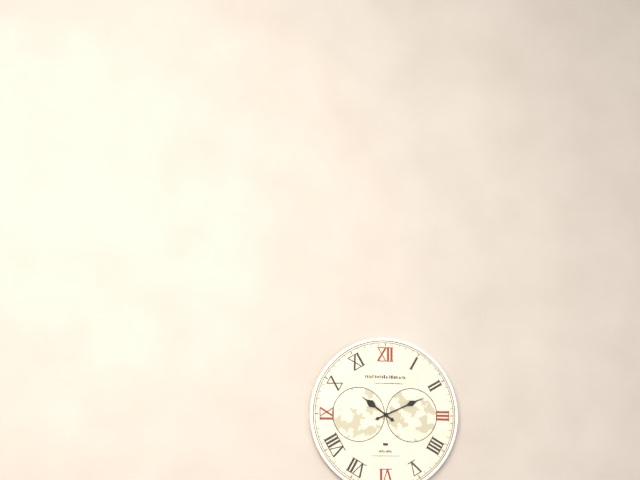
10:11
